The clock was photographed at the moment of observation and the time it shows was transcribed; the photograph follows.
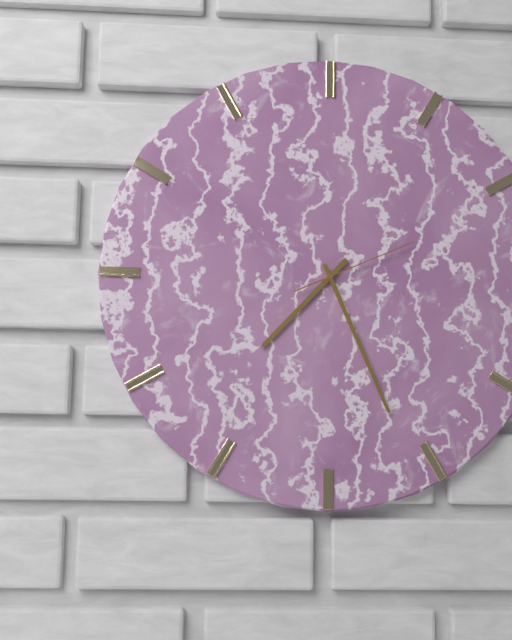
7:26:11
